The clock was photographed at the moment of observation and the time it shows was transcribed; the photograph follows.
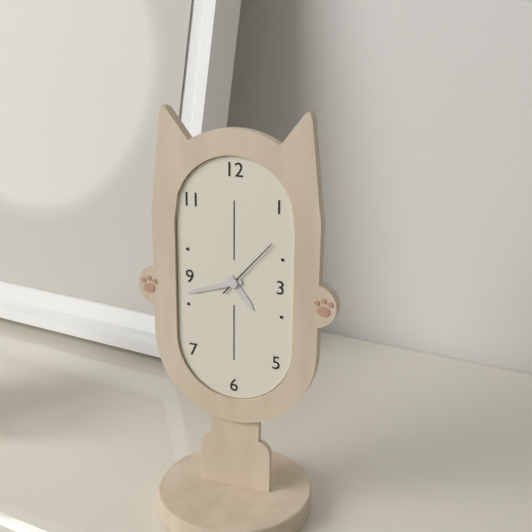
4:42:07
